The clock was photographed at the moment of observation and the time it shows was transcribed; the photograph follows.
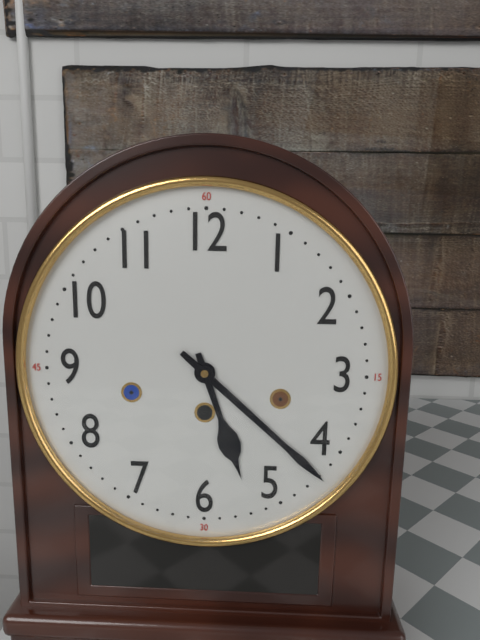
5:22
